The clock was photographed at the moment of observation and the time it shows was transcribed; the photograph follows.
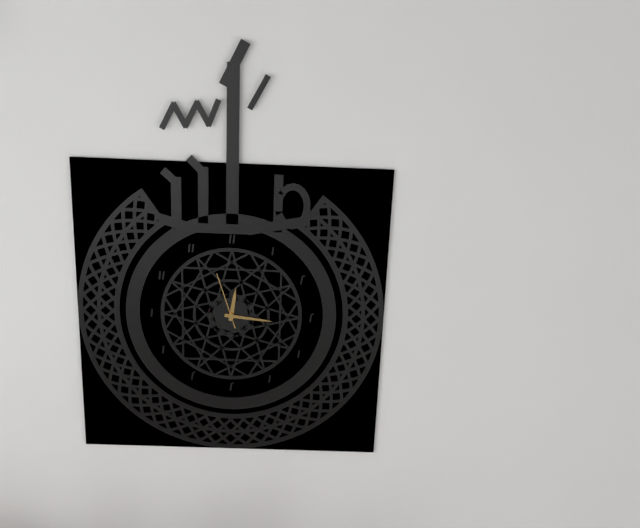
12:16:57
